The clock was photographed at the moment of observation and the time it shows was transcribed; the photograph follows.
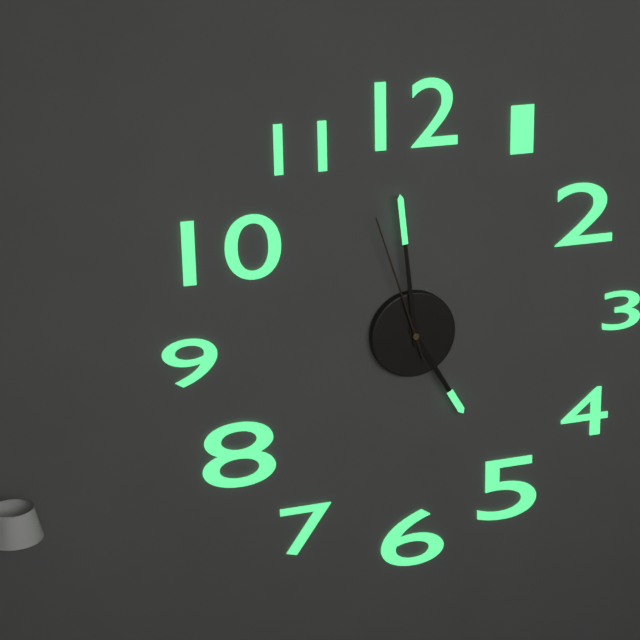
4:59:57
